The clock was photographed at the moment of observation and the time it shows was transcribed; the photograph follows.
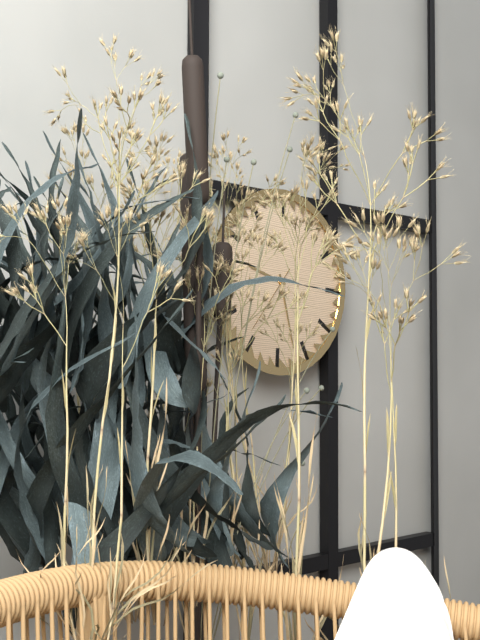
9:27:36
